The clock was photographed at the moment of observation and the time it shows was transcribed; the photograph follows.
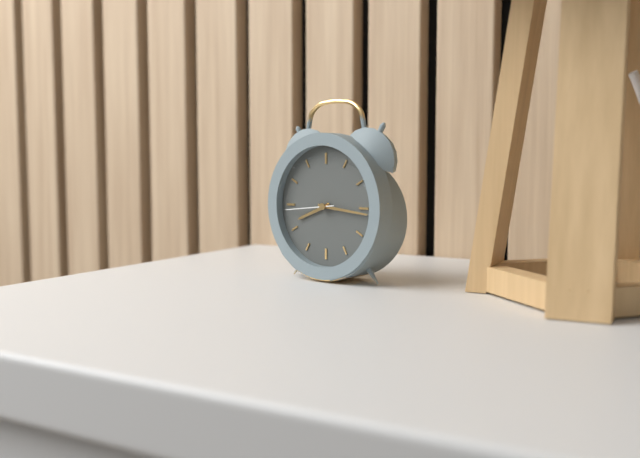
8:16
